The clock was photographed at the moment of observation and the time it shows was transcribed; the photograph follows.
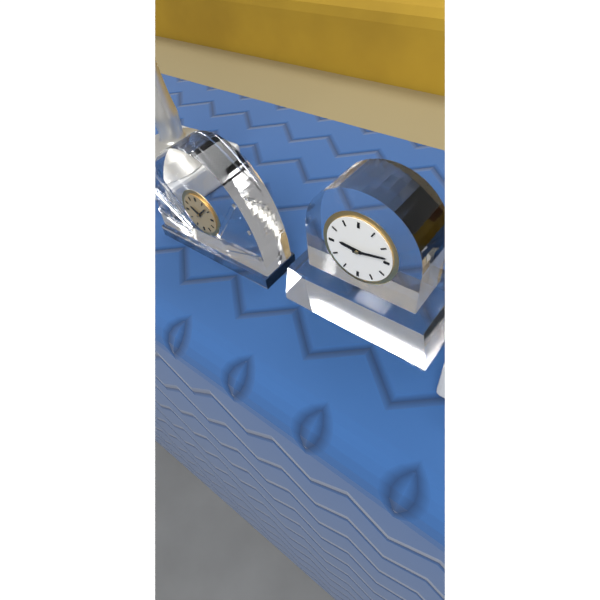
9:13
